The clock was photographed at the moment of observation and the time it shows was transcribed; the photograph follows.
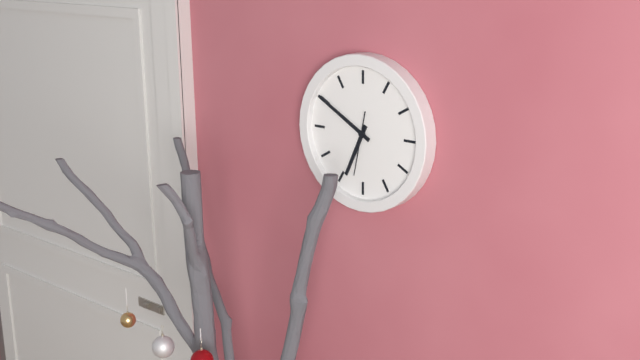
6:50:32
